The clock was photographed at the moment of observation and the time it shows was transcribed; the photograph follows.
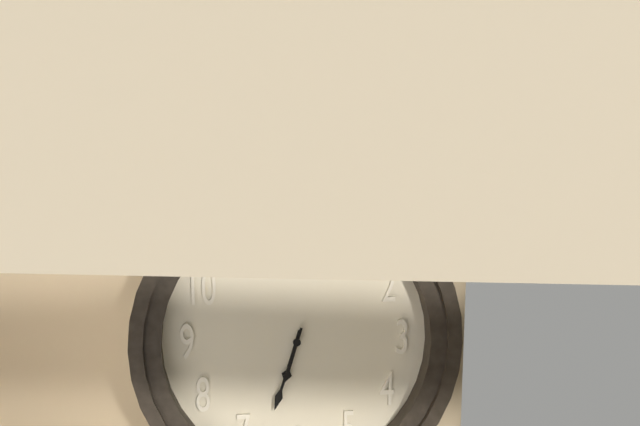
6:33
